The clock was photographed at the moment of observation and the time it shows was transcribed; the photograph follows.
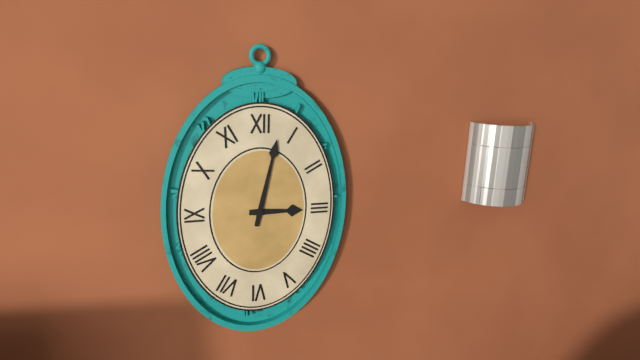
3:02
